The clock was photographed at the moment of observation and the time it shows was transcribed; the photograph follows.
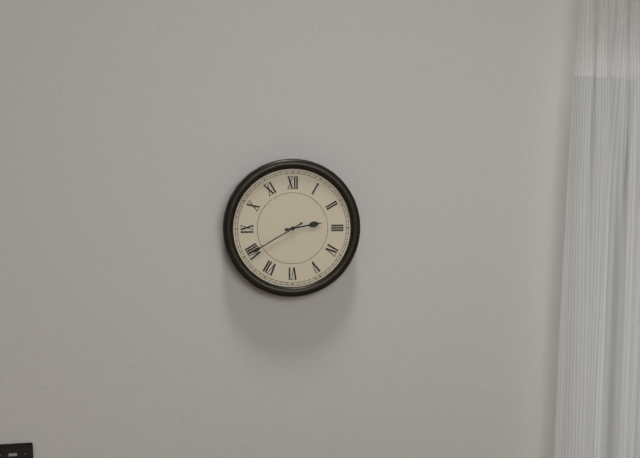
2:40
